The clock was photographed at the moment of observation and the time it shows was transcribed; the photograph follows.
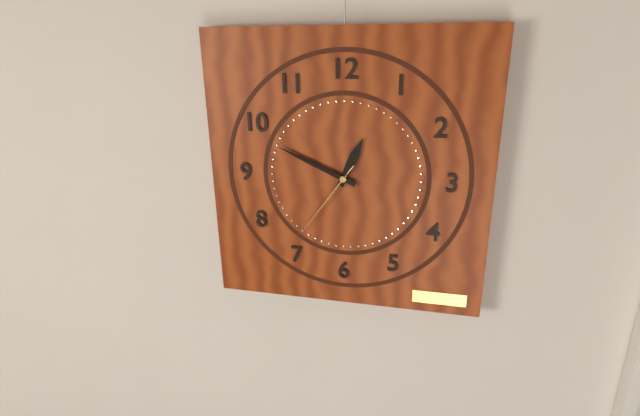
12:49:36
